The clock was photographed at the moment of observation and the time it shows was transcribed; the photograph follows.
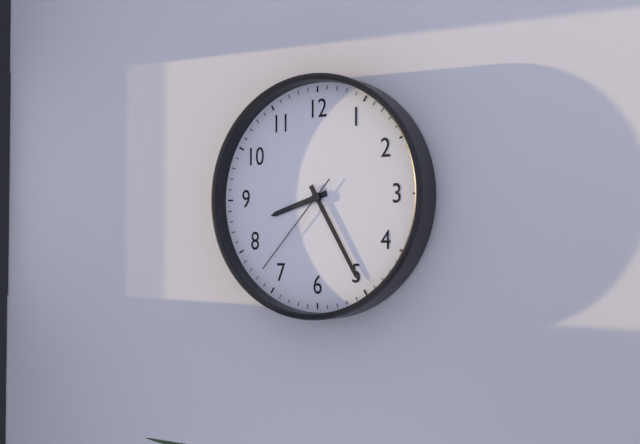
8:25:37
